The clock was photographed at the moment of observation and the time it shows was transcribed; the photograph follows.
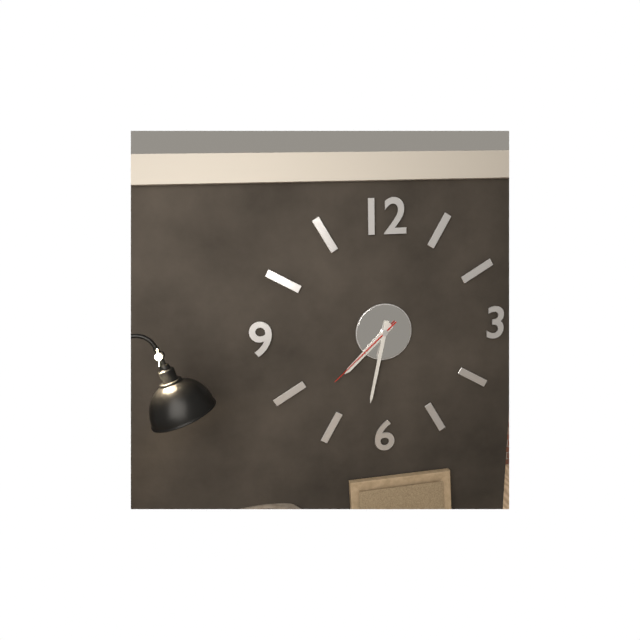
7:32:38
